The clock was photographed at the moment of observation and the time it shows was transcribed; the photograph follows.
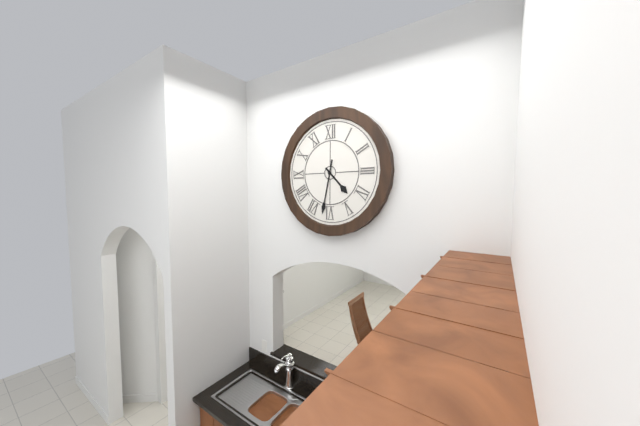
4:32
